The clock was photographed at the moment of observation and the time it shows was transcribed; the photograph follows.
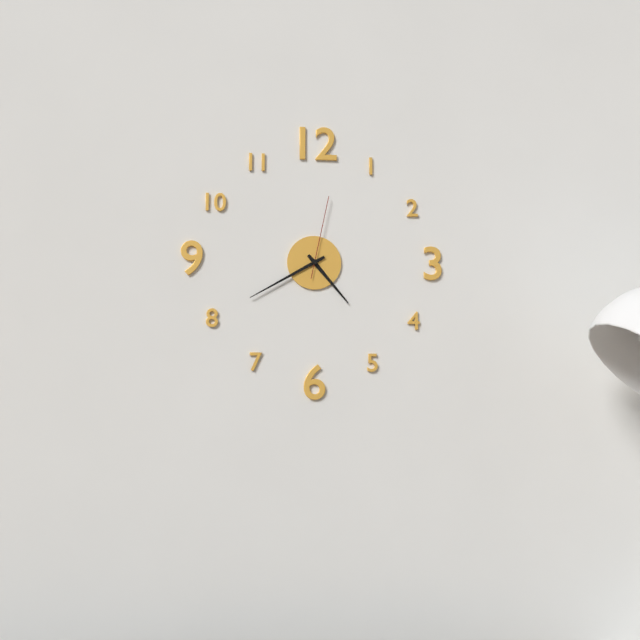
4:40:02
